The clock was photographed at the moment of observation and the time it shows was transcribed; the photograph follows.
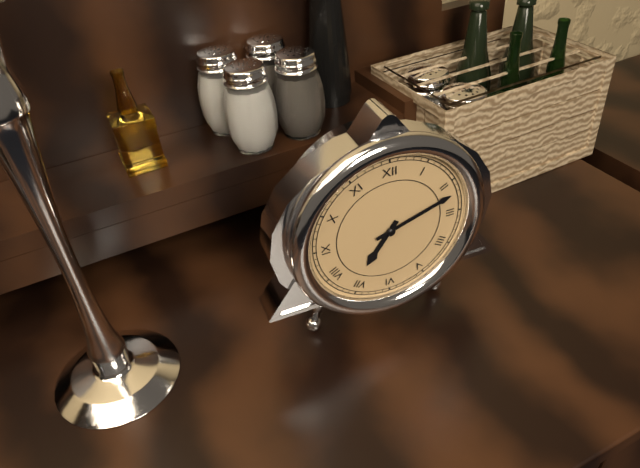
7:12
